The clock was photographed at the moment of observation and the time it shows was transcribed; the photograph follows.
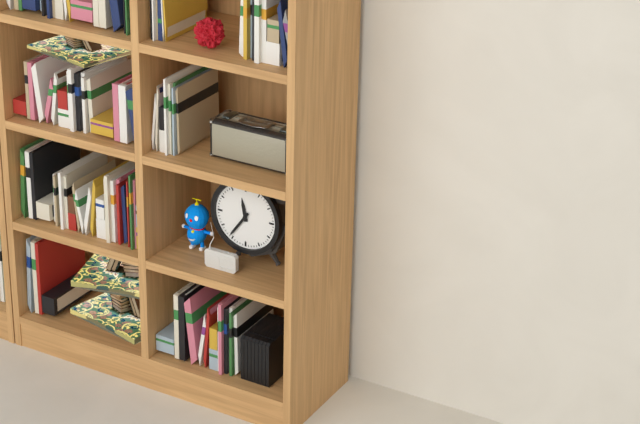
11:36
